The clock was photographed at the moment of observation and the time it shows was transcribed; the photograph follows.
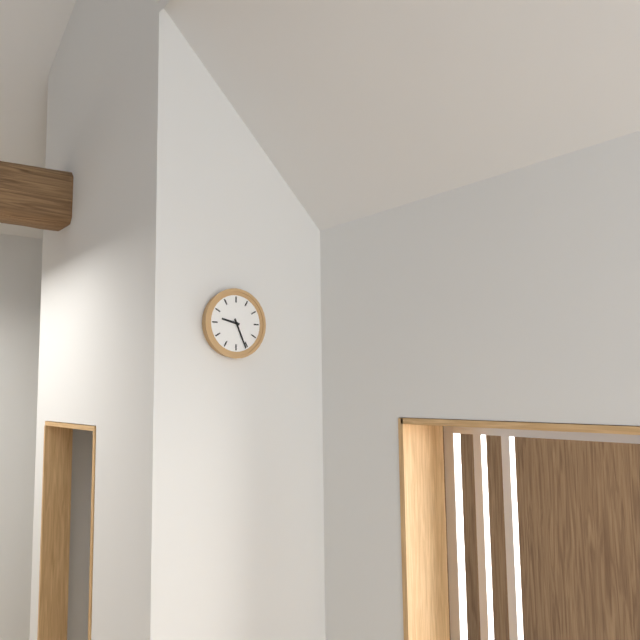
9:26
